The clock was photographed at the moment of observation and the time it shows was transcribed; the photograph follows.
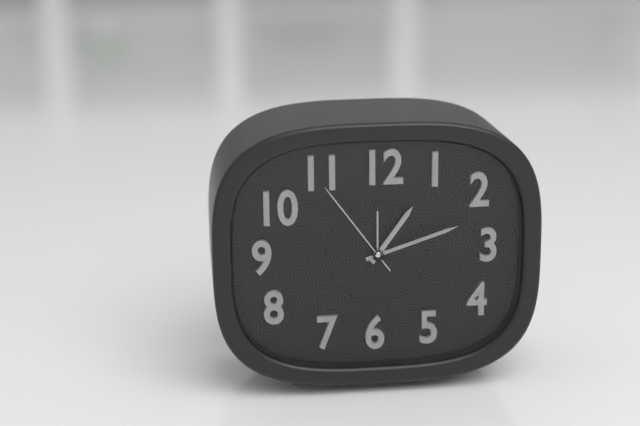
1:12:54
